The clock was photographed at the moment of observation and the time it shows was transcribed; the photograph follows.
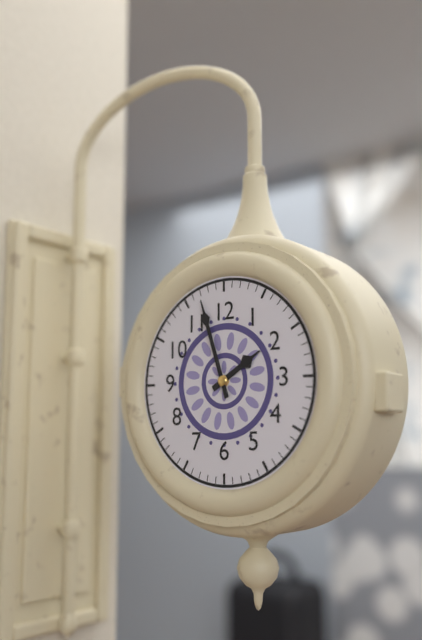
1:57
